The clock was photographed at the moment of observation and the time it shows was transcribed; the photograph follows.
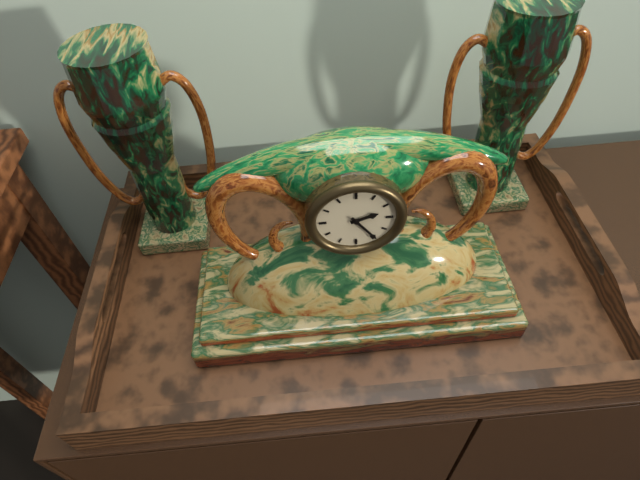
2:24
